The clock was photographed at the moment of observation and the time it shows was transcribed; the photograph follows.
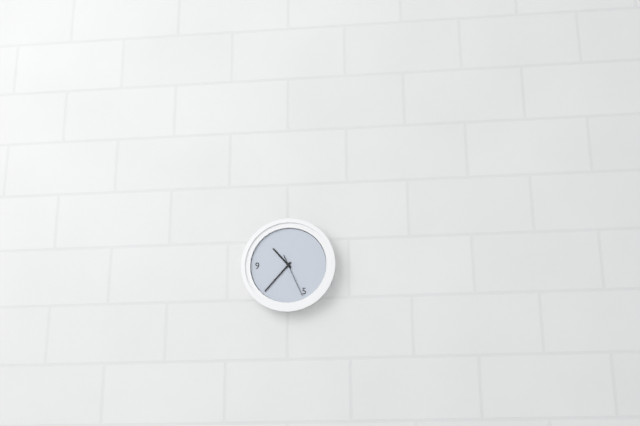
10:37
